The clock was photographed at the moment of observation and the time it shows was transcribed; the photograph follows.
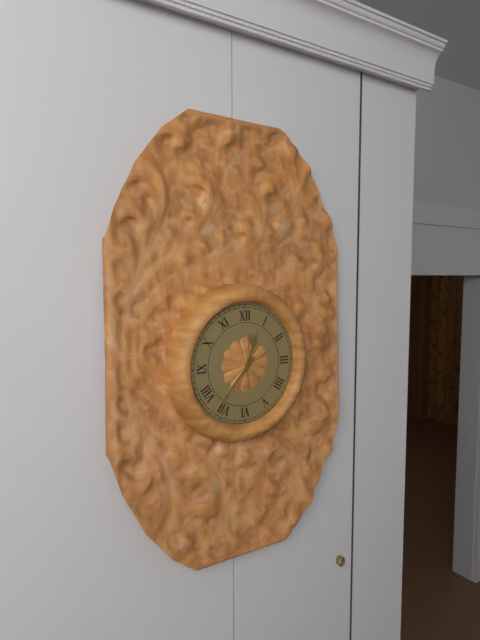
12:37
